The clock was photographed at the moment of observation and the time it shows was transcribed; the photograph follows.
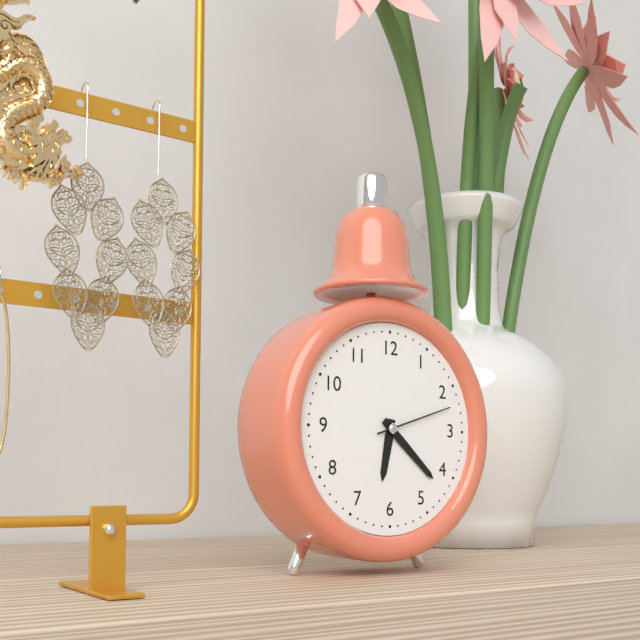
6:22:12
